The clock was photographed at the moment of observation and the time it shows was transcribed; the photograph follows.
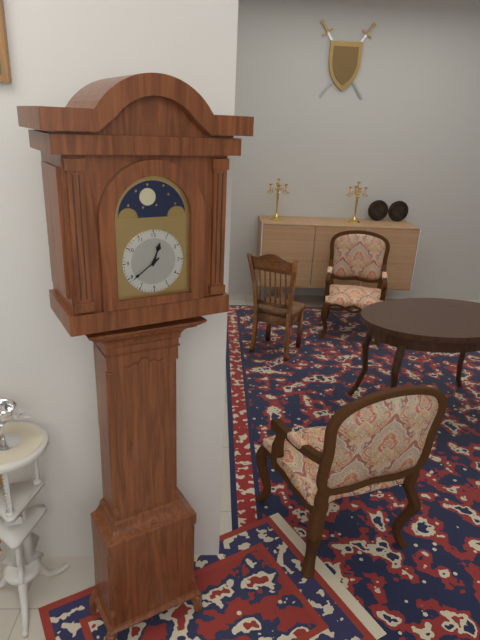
12:39
